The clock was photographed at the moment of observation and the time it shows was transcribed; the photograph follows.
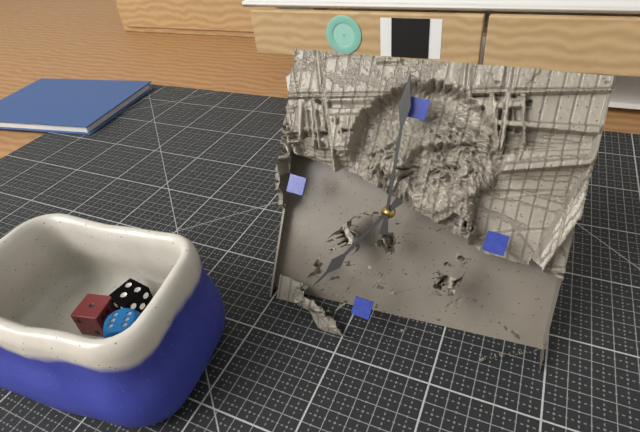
6:59
